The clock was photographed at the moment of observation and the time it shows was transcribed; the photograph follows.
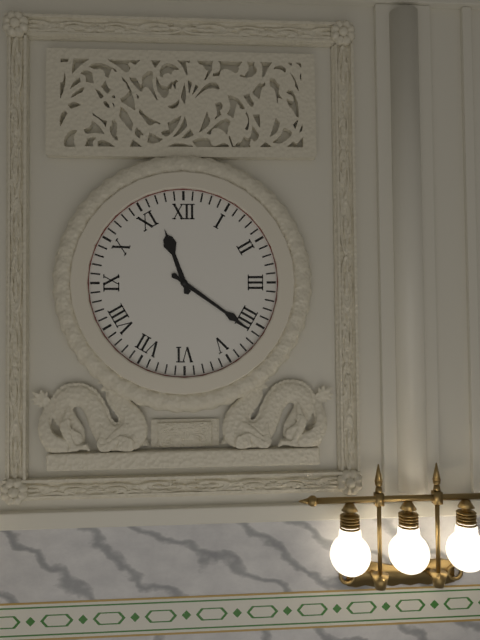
11:21
